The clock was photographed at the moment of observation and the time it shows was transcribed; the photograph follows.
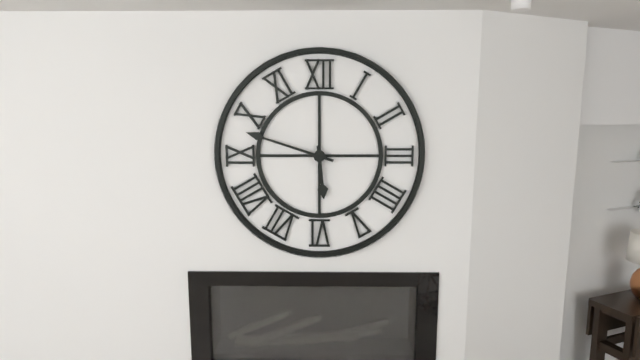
5:48
